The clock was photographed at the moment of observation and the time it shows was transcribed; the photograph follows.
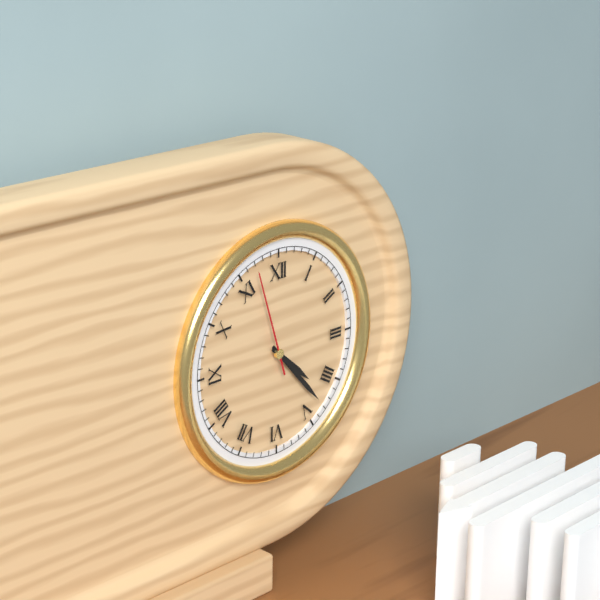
4:23:57
